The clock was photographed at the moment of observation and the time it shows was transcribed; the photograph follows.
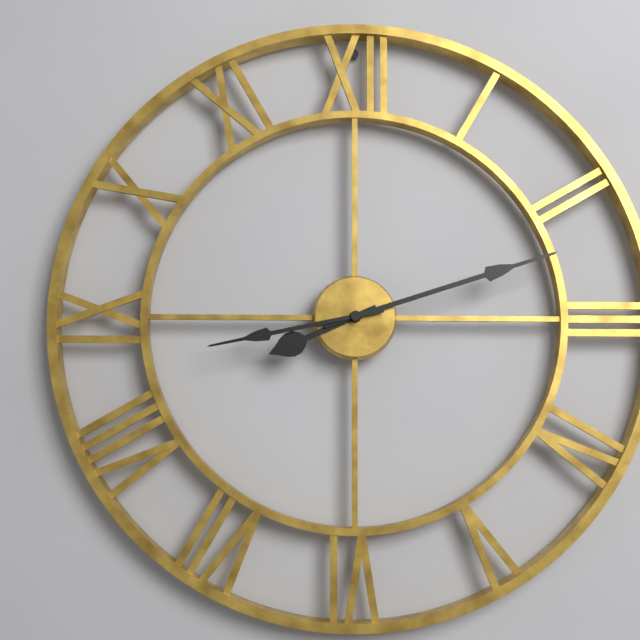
8:12:43
